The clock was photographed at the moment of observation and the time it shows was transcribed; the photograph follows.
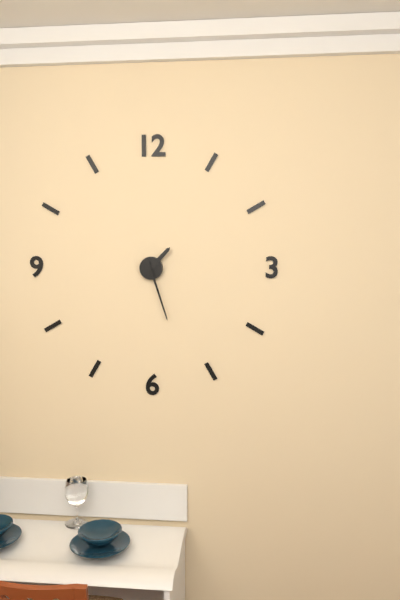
1:27
